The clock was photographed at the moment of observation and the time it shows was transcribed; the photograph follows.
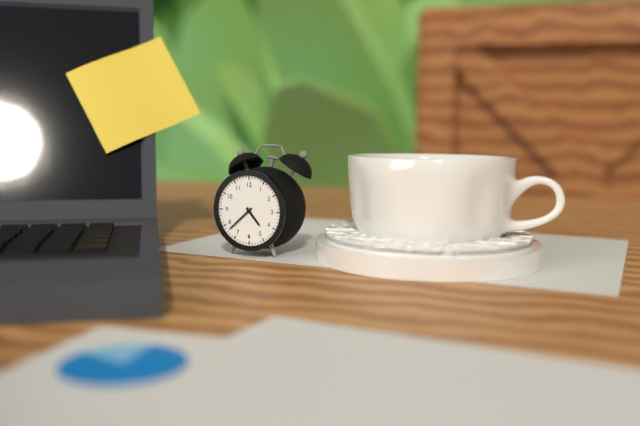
4:38
